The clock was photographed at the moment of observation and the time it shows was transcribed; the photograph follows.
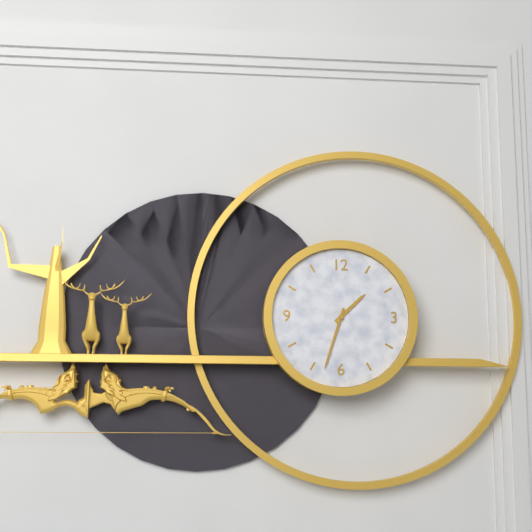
1:33
